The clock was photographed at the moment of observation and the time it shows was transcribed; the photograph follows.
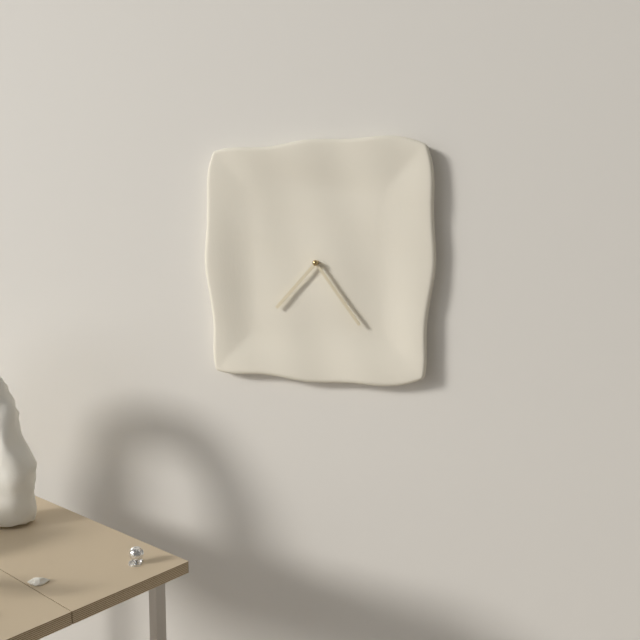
7:24
